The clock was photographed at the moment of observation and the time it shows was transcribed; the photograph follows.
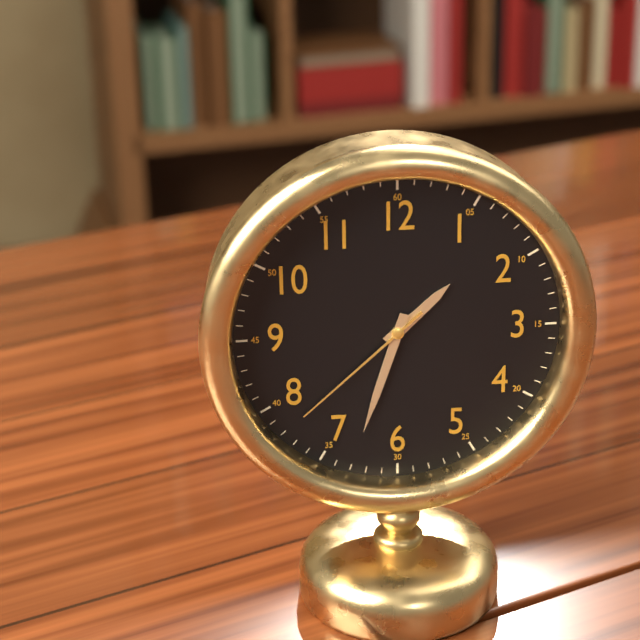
1:33:38
